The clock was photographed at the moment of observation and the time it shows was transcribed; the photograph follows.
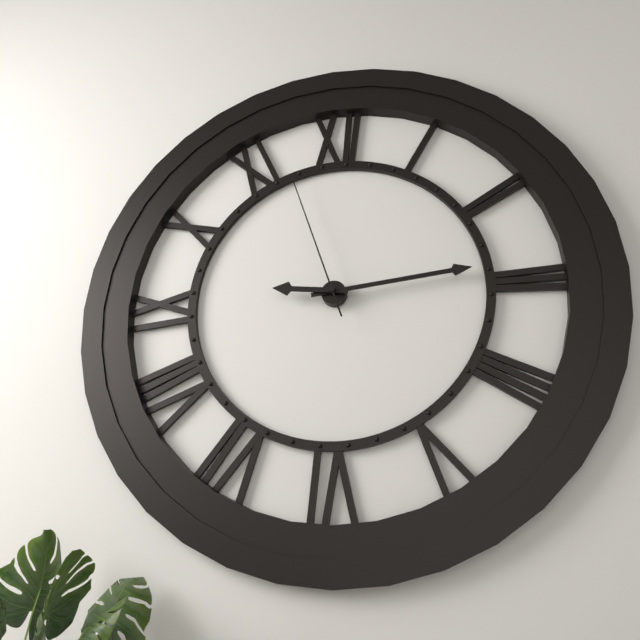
9:14:57
